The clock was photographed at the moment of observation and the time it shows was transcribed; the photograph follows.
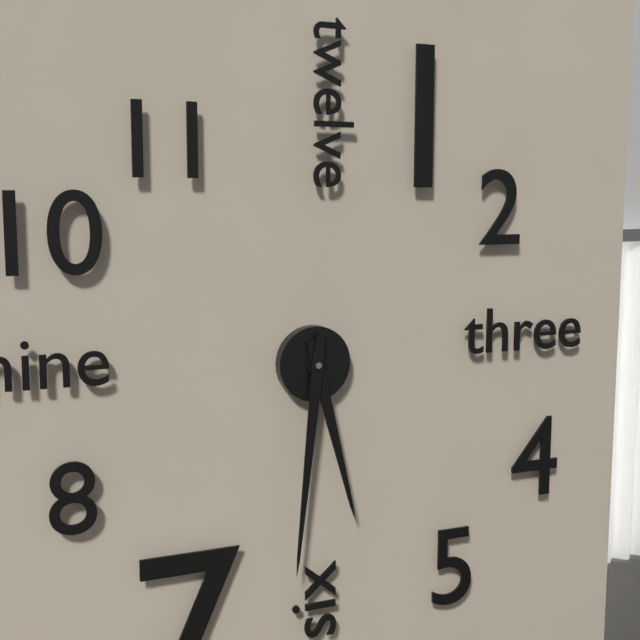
5:31
